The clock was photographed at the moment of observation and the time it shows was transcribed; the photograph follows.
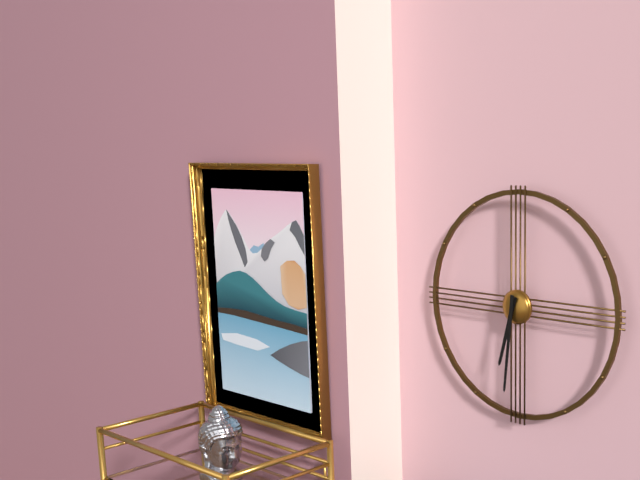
6:31
